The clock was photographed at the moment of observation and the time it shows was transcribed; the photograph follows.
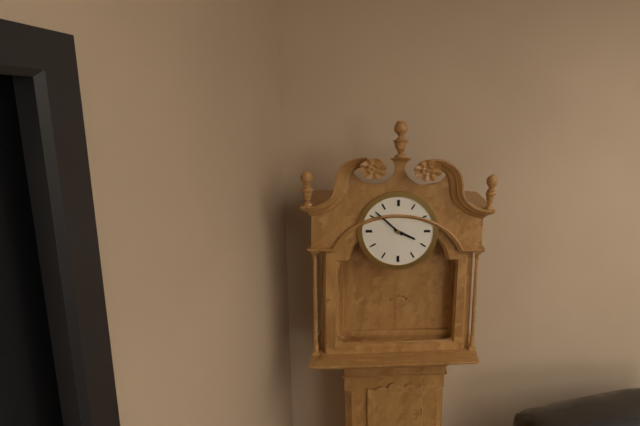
3:52
